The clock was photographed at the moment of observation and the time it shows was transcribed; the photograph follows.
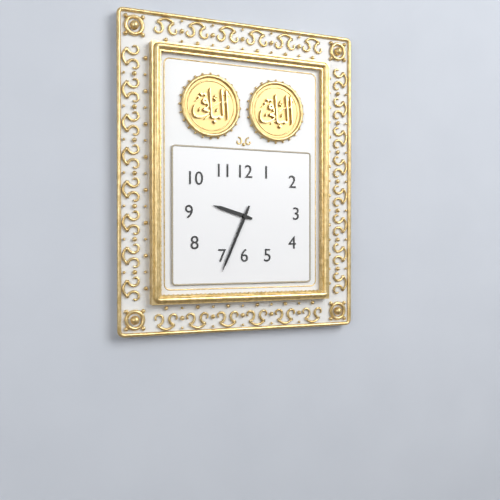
9:34
